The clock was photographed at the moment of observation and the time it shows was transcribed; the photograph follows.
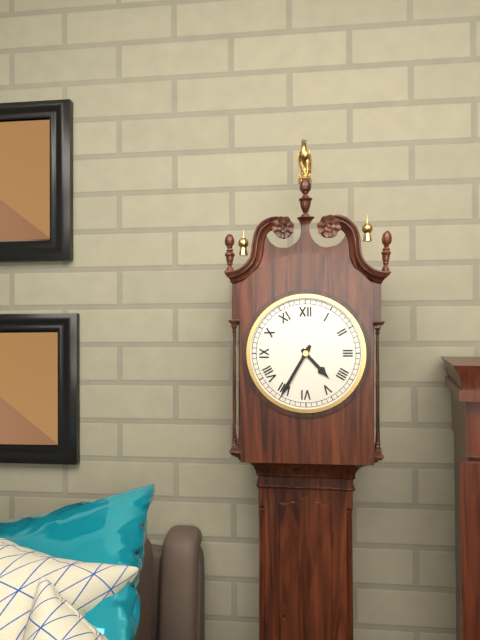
4:35
